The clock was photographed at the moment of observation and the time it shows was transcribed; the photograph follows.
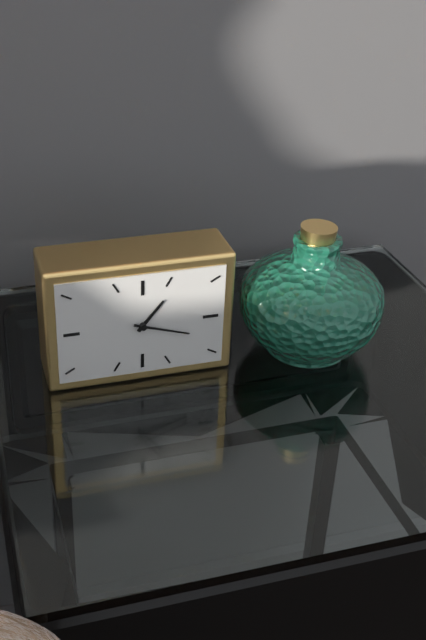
1:18
